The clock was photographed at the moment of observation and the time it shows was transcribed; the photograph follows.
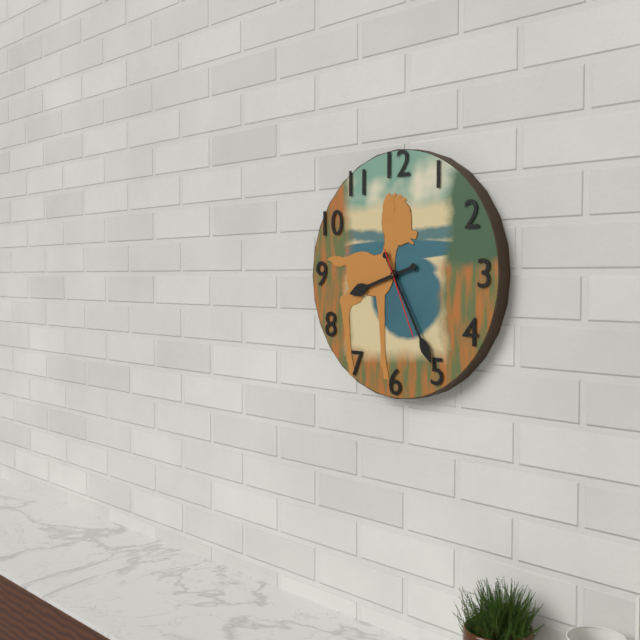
8:25:26
